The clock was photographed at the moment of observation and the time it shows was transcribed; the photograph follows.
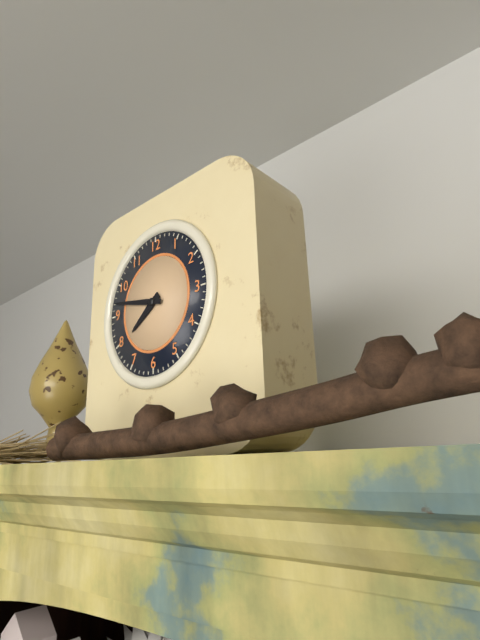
7:47
